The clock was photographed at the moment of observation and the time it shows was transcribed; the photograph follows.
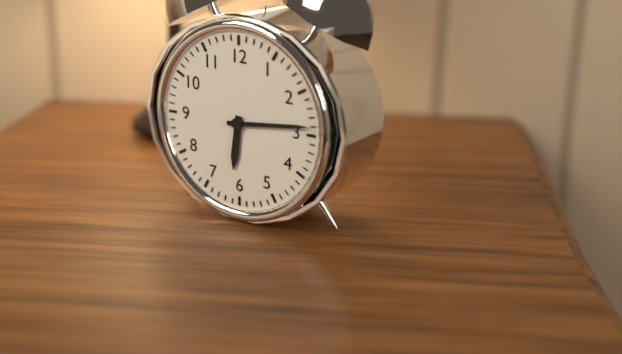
6:14
